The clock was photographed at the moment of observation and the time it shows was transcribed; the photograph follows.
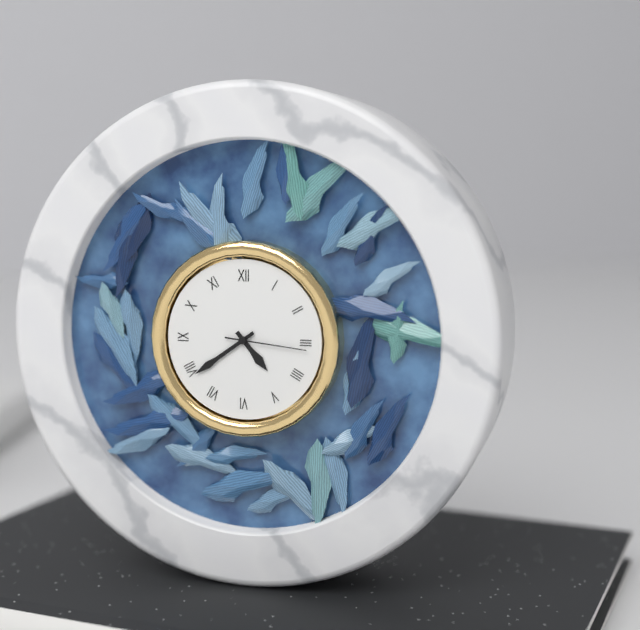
4:39:16
